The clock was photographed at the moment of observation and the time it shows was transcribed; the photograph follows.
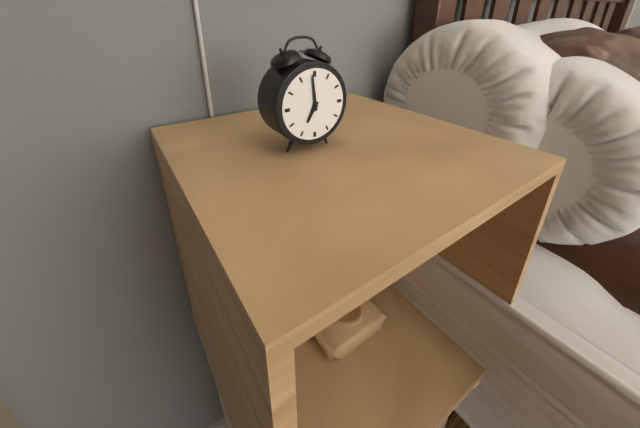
6:59
